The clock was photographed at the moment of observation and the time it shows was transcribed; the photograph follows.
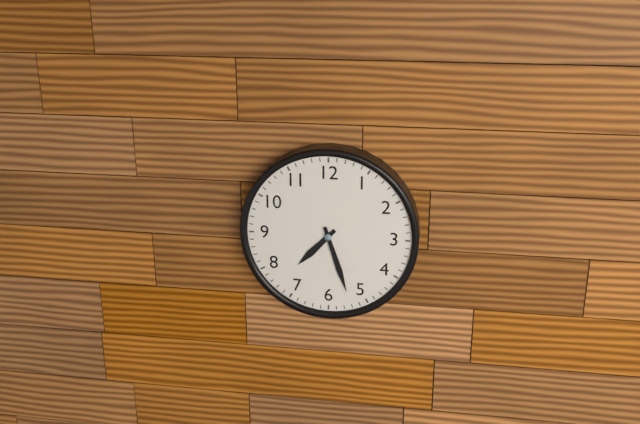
7:27
